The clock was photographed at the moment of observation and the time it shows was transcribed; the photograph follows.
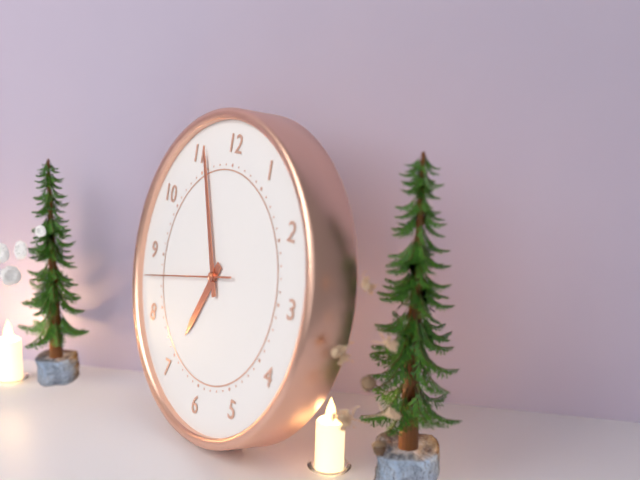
6:56:43
